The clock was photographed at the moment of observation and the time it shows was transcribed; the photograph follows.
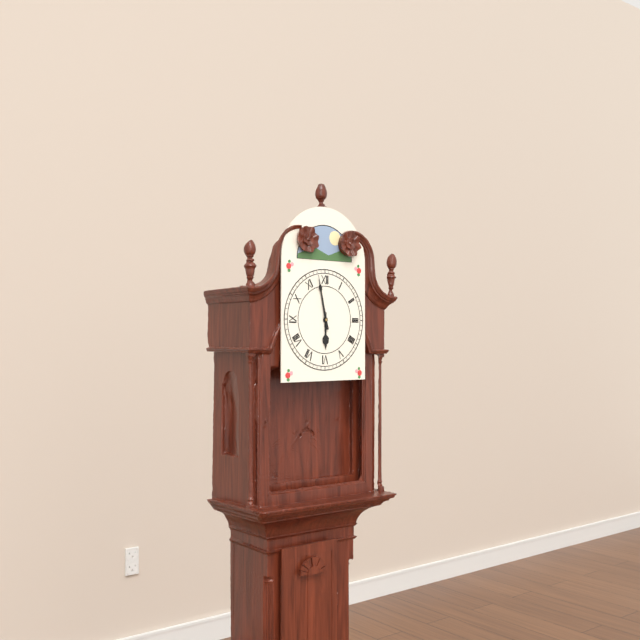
5:58
